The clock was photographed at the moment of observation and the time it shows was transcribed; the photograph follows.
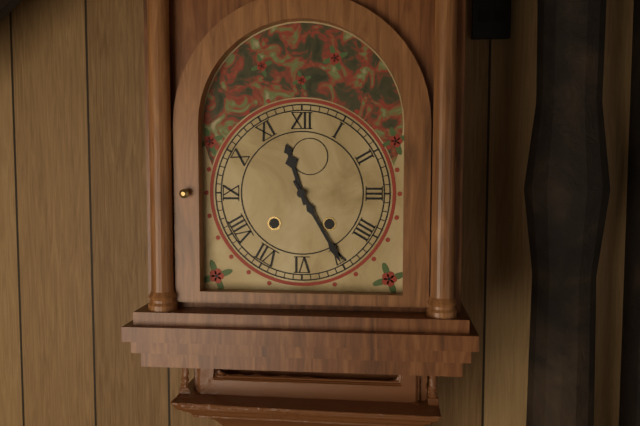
11:25
